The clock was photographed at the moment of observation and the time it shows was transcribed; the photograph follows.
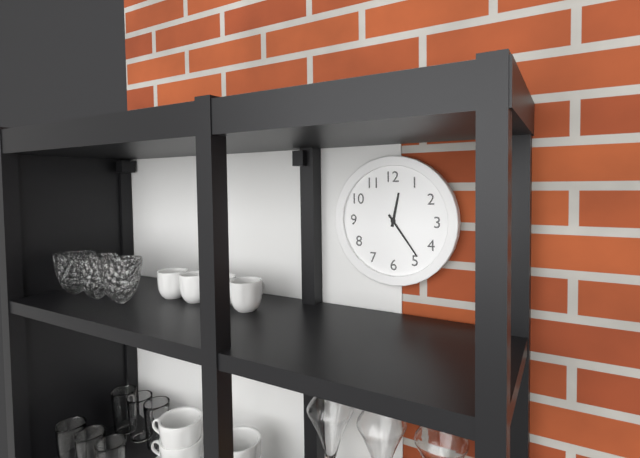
12:24
